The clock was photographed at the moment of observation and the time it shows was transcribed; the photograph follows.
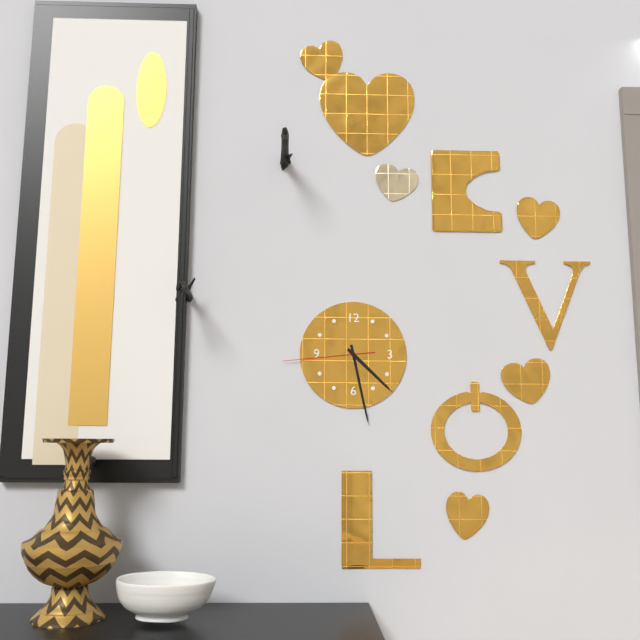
4:28:44
